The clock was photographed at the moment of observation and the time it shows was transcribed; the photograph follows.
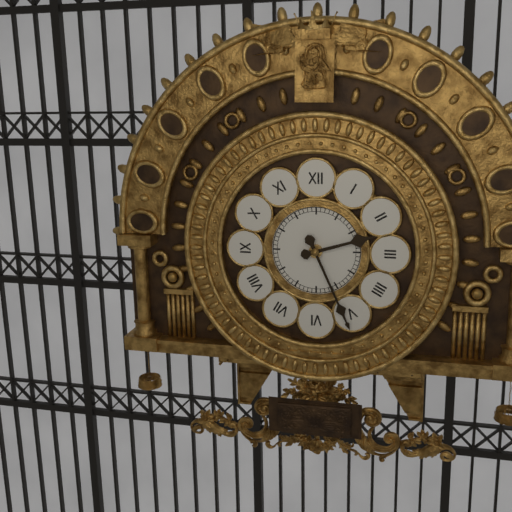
2:26
